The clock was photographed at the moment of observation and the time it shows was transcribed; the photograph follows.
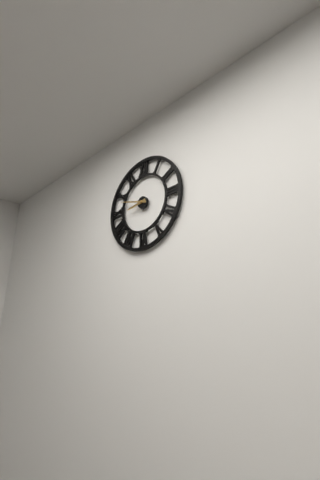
8:48
